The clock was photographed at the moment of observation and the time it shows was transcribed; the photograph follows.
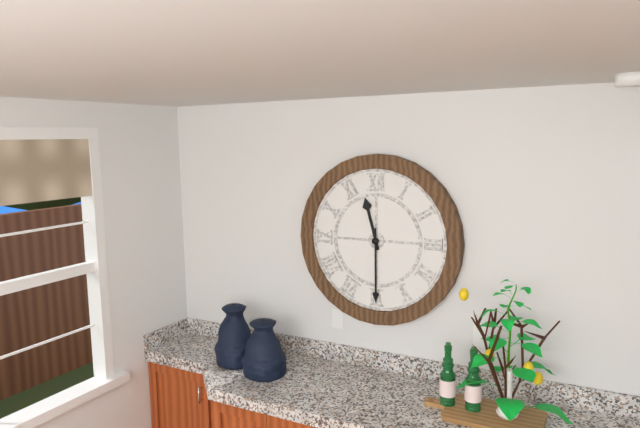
11:30
